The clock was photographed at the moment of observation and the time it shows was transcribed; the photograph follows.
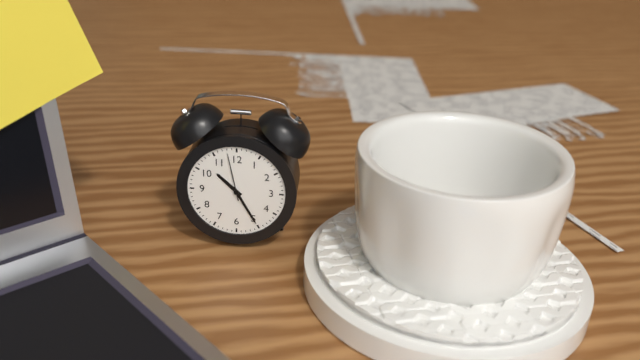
10:25:58
